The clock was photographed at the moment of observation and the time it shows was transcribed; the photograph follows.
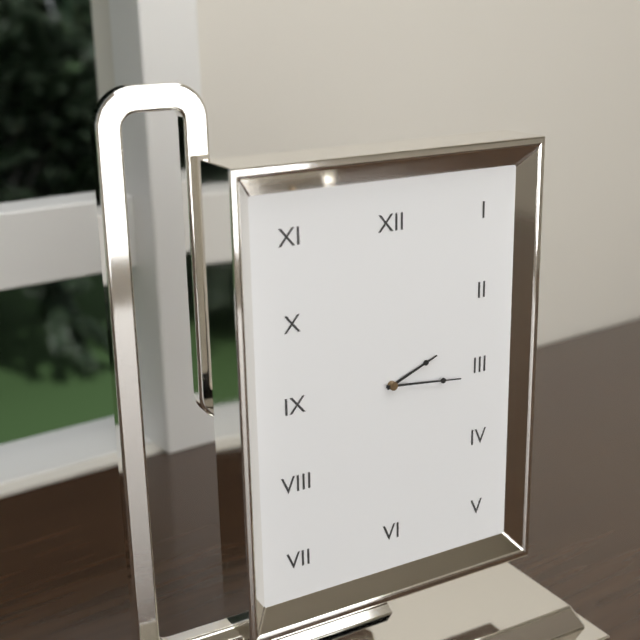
2:16
